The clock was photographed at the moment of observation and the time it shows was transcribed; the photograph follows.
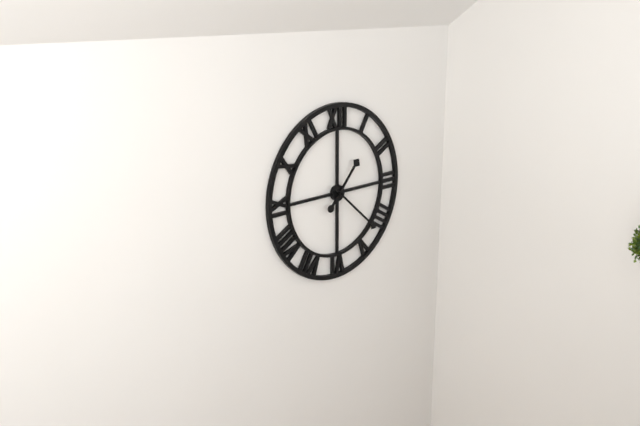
1:22
